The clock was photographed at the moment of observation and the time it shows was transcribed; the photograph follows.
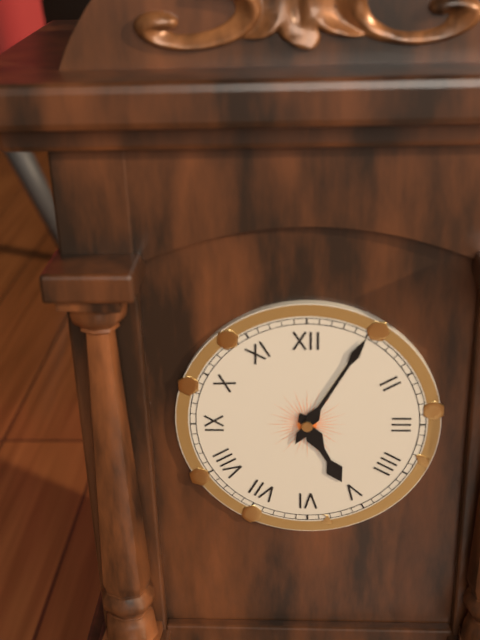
5:05
